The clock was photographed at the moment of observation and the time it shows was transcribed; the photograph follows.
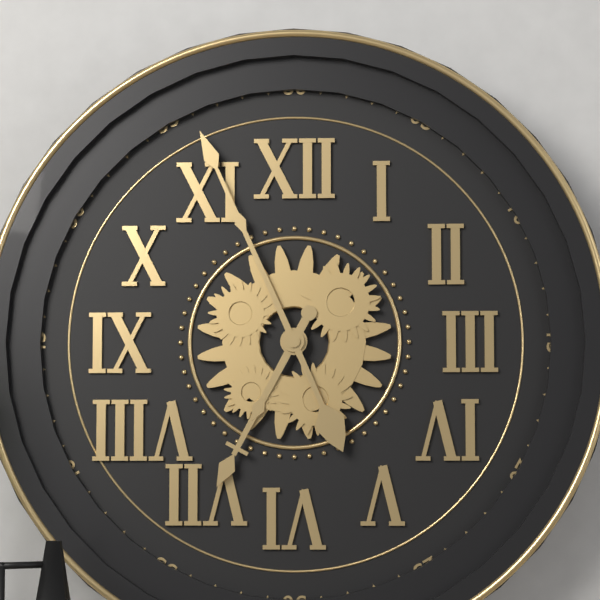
6:56
